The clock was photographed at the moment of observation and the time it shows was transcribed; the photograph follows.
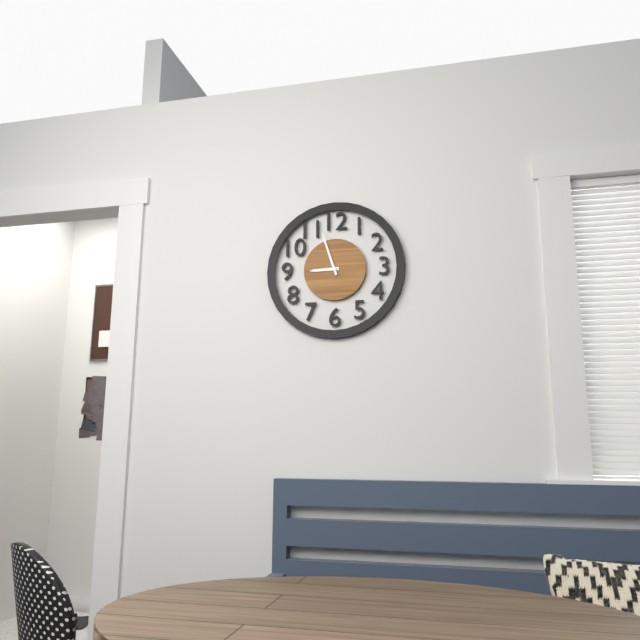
8:57
